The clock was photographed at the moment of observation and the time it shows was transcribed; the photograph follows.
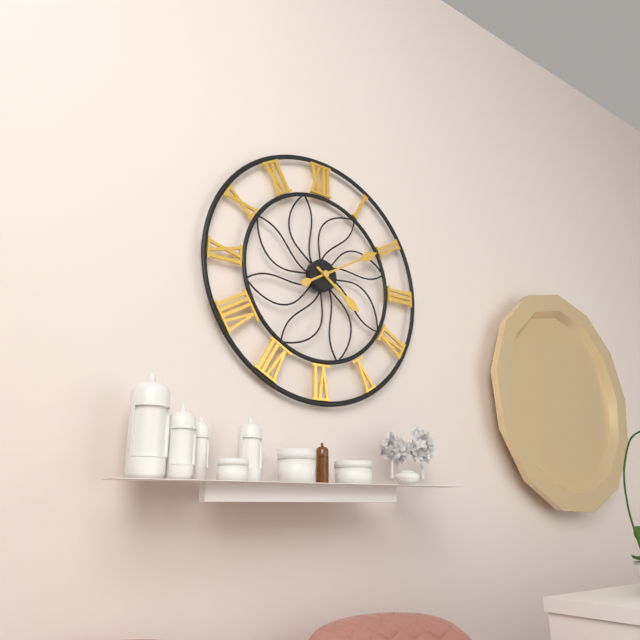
4:10
